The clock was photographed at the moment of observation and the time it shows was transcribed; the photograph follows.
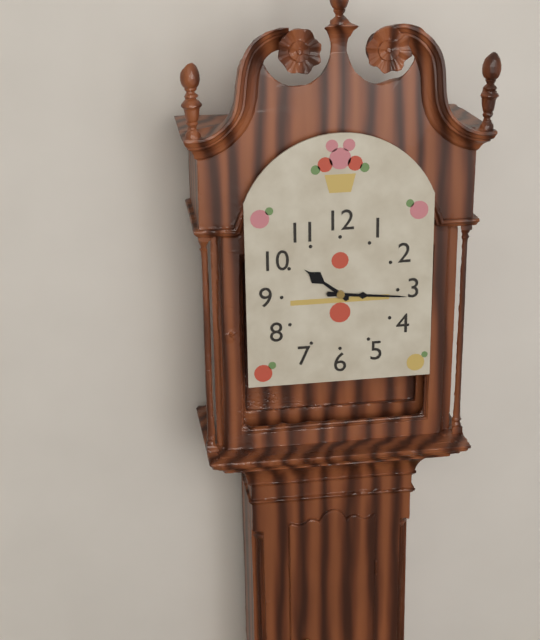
10:16
